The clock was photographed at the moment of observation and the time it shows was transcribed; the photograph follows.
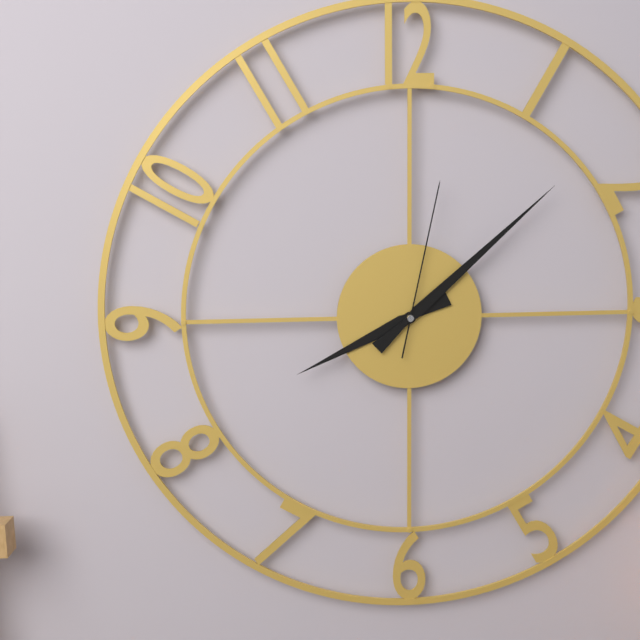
8:08:02
